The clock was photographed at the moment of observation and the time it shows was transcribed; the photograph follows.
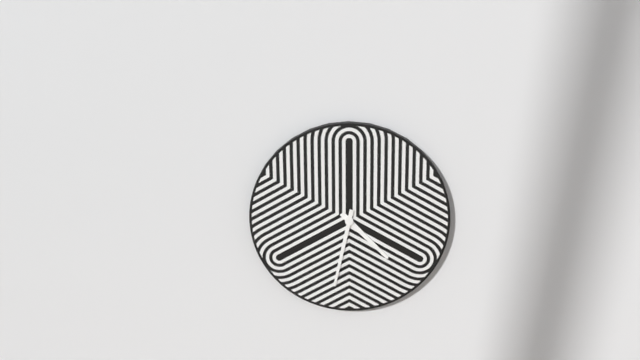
4:32
